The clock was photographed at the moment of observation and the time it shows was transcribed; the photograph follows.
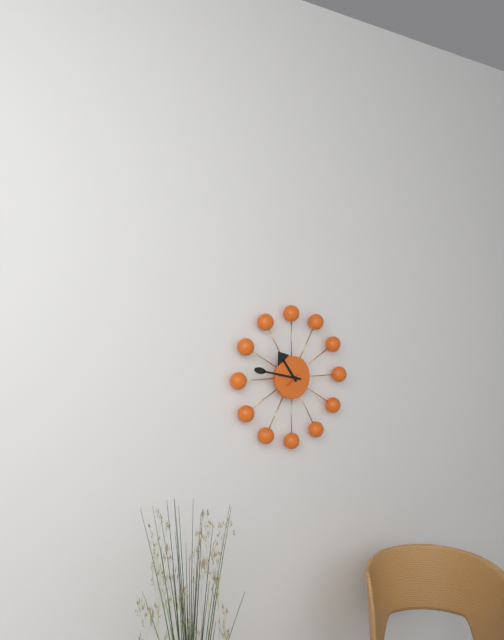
10:47
